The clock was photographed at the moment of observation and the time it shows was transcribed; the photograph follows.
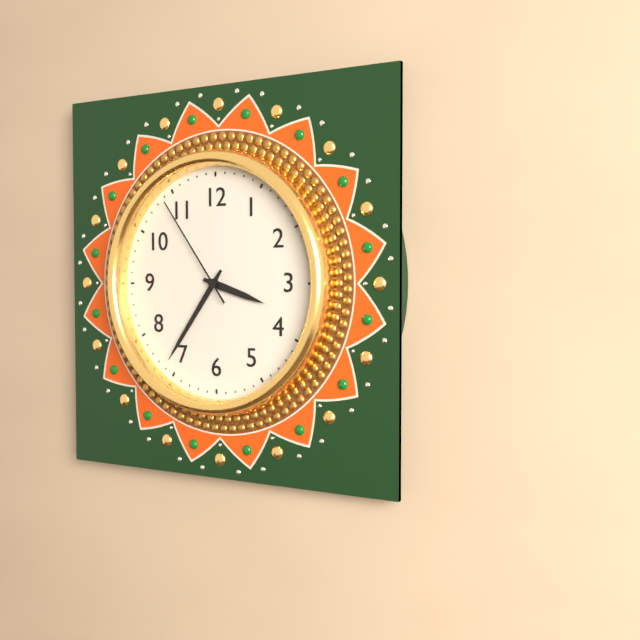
3:36:54
